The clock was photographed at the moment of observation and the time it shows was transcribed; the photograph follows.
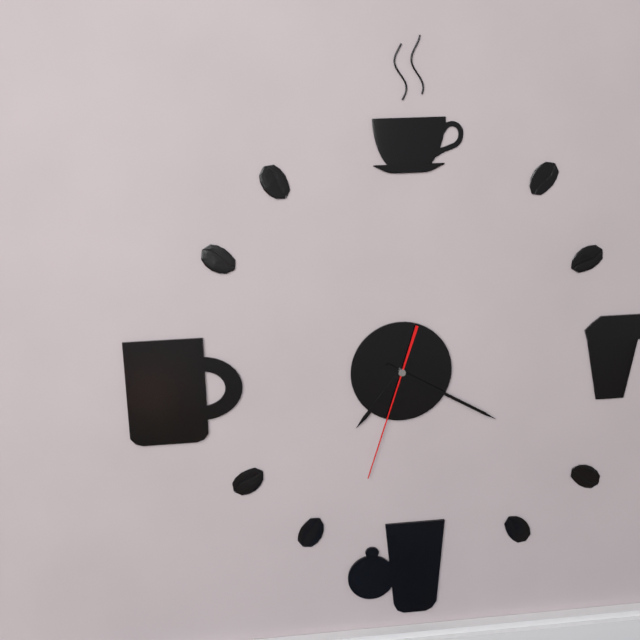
7:20:33
